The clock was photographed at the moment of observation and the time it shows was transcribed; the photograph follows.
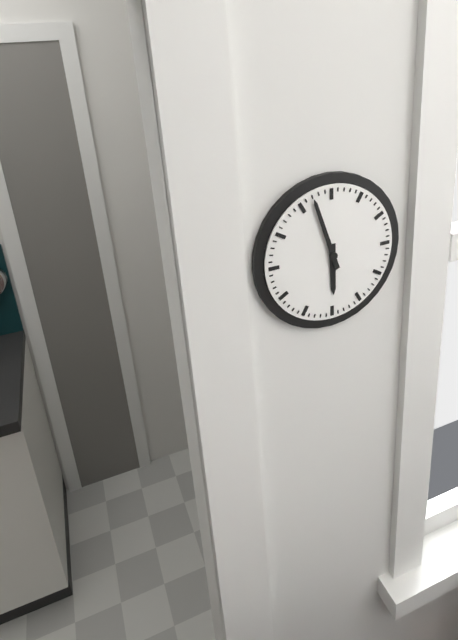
5:57
